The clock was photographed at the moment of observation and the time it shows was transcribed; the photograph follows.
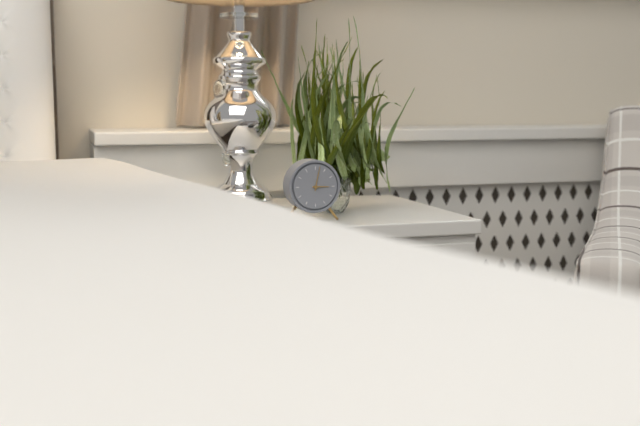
3:02
